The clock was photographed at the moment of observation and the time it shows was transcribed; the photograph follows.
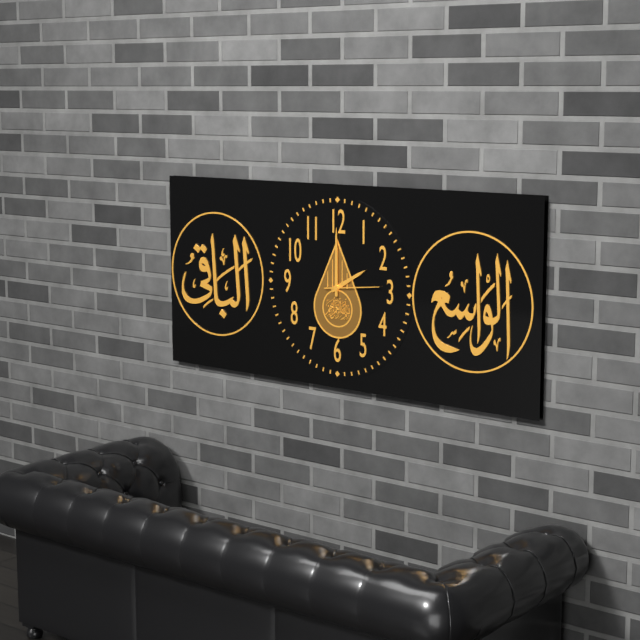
2:00:14
